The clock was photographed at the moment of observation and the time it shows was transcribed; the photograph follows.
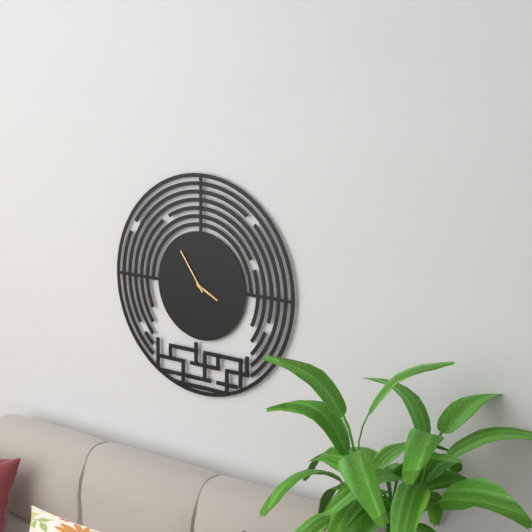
3:54
